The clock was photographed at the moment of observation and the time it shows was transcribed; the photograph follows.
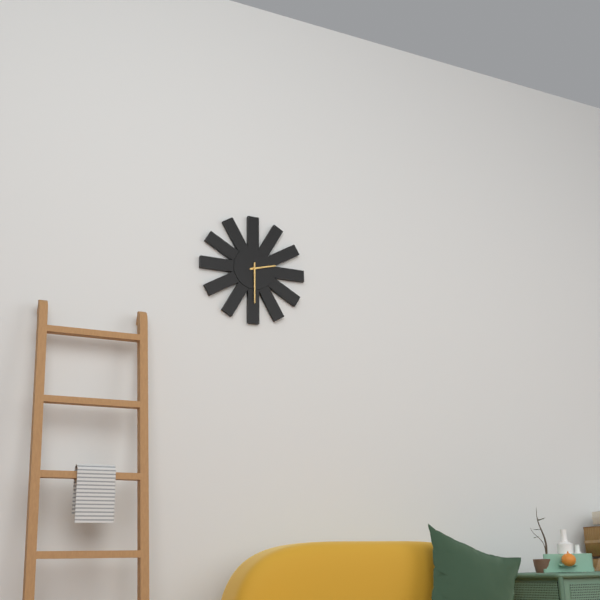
2:30
